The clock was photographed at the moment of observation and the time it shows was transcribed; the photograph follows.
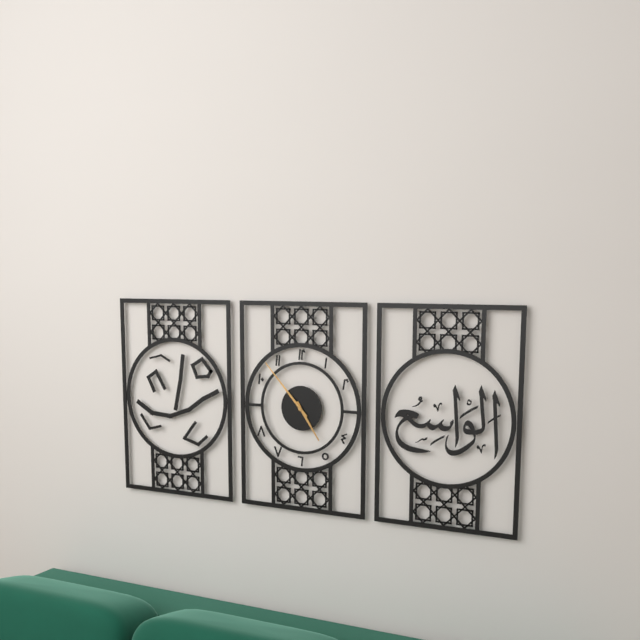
4:53
